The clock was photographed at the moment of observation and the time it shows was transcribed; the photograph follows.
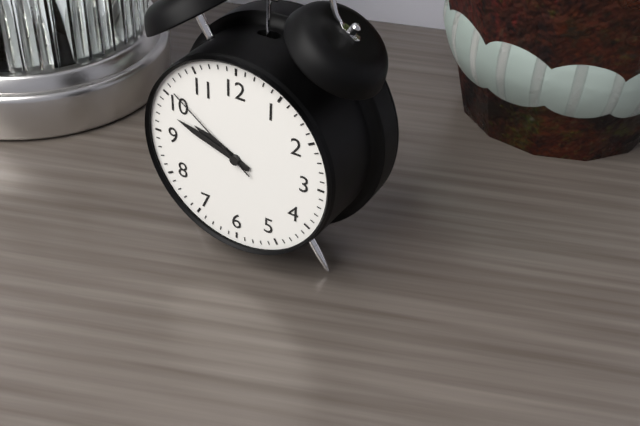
9:48:51
